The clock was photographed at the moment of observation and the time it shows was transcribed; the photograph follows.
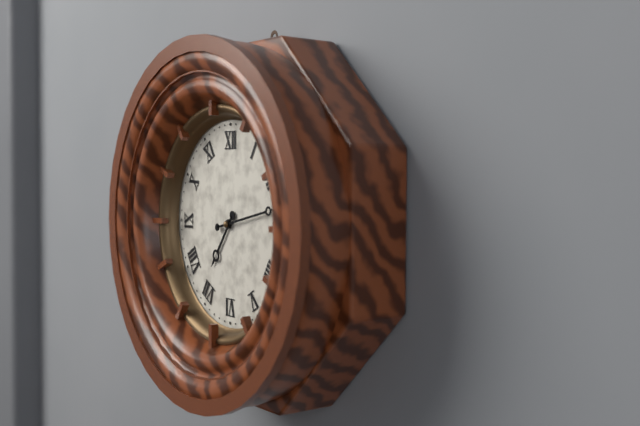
7:13
